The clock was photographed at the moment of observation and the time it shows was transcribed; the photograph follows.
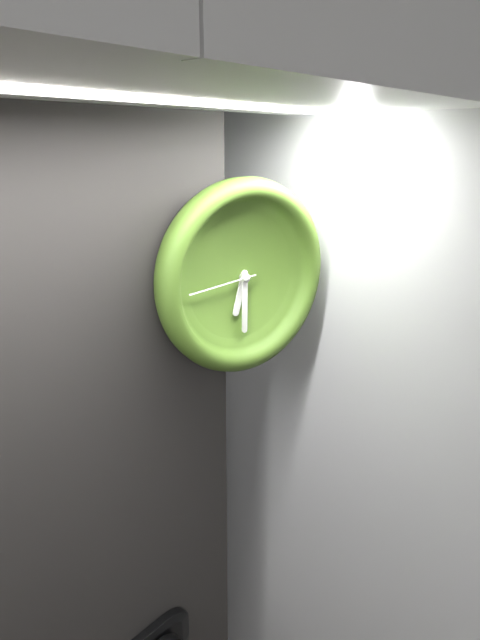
6:30:44
